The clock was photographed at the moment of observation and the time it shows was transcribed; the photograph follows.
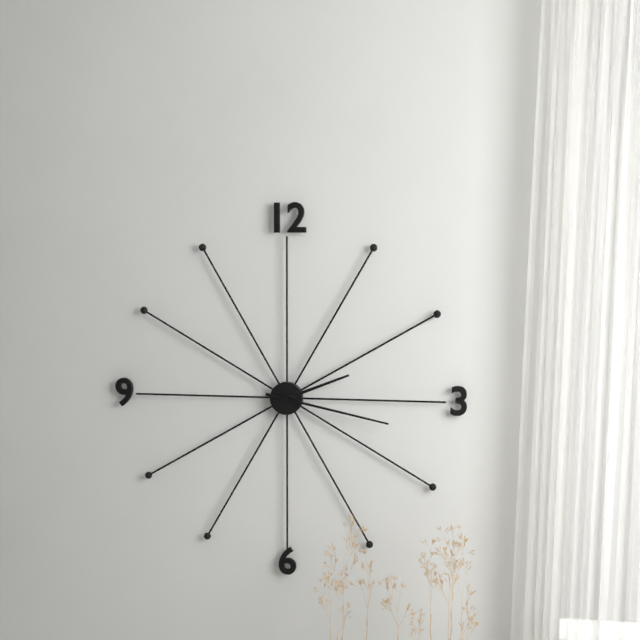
2:17
